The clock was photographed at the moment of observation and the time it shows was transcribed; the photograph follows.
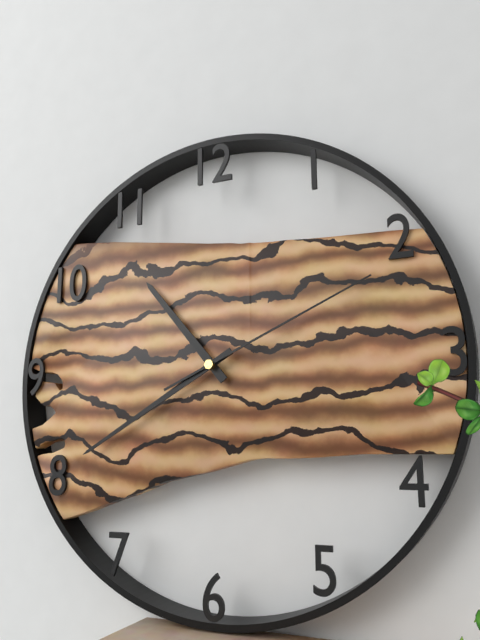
10:40:11
